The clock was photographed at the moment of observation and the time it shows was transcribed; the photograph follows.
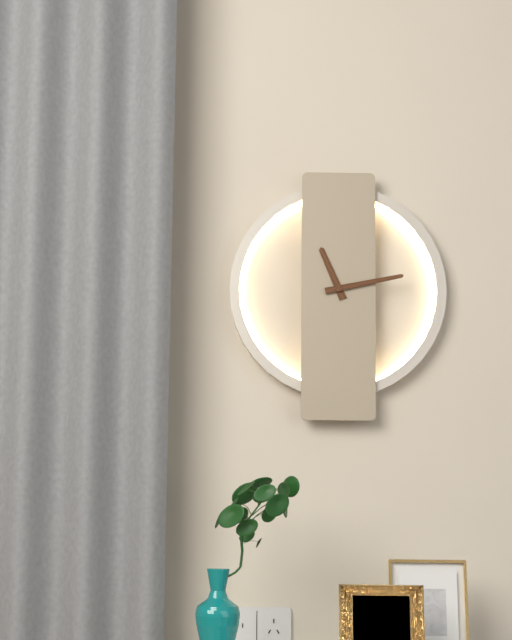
11:13
